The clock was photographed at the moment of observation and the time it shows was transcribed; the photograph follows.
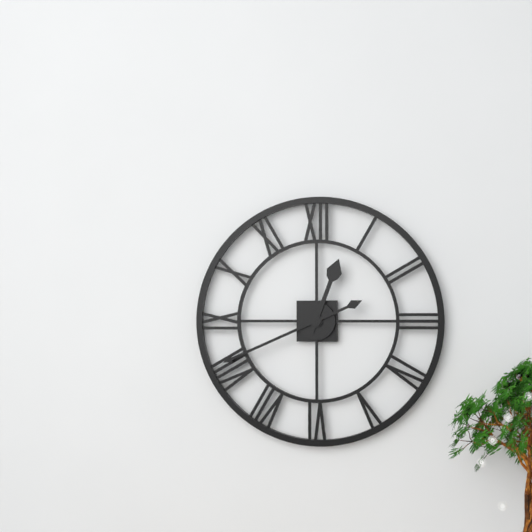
12:41
